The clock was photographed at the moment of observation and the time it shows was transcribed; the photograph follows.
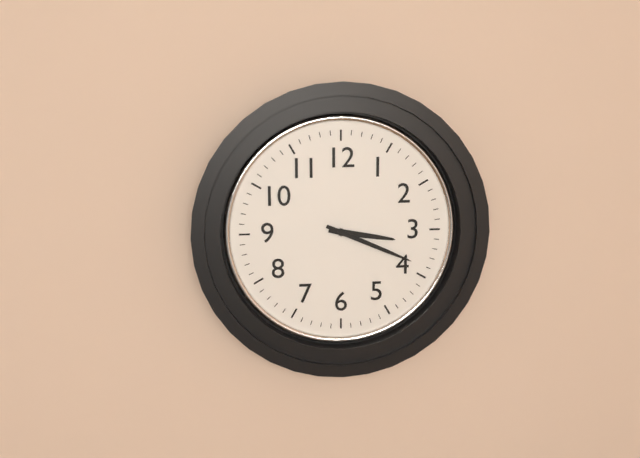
3:19
